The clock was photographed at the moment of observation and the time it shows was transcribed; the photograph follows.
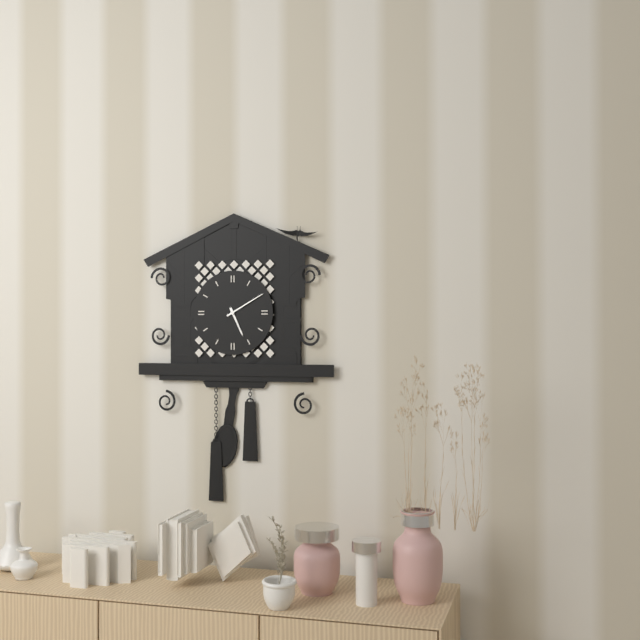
5:10
